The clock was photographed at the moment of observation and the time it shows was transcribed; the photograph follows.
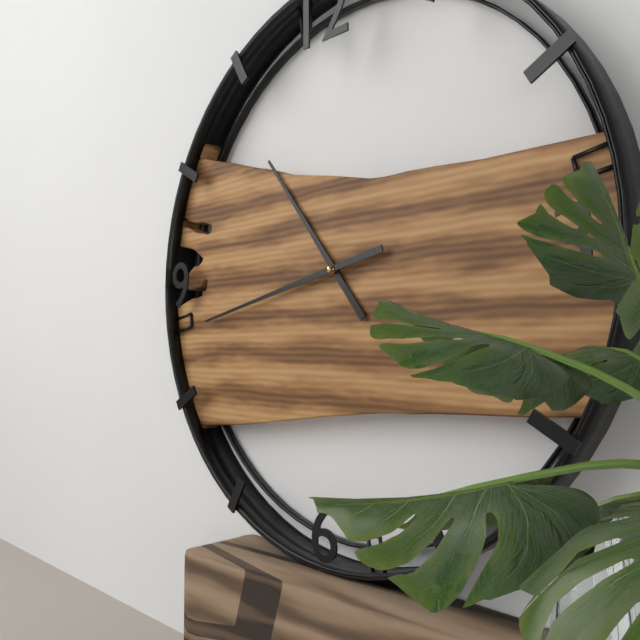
10:43
